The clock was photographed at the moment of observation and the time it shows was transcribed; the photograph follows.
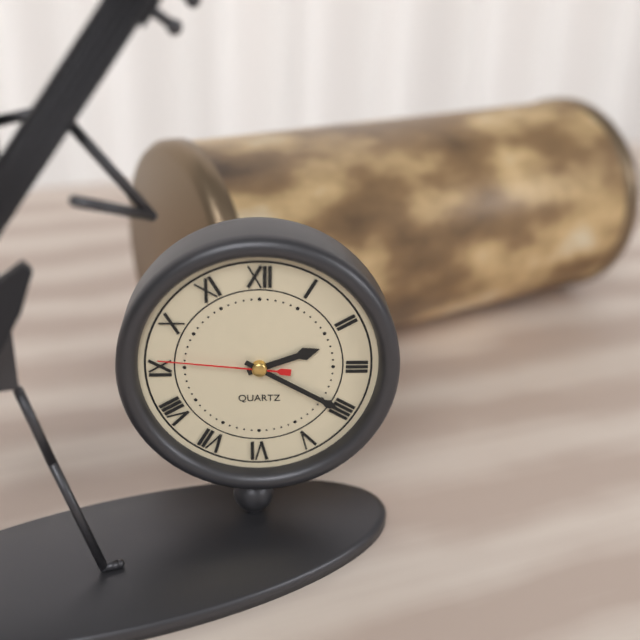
2:20:46
